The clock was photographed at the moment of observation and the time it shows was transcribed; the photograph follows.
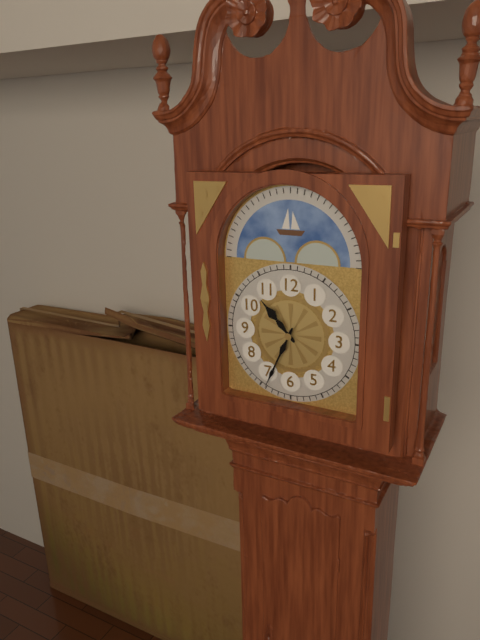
10:34
